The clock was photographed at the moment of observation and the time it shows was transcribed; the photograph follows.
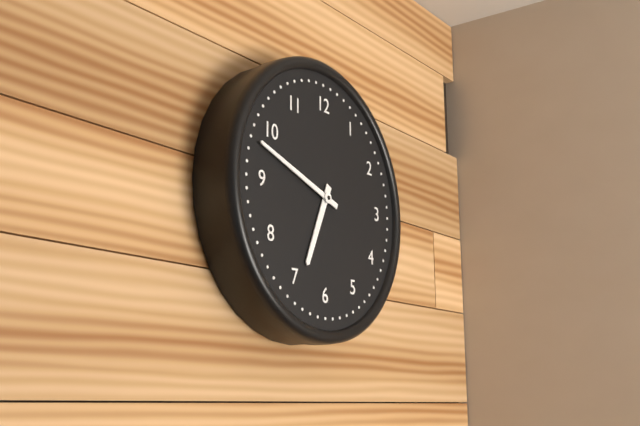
6:48
